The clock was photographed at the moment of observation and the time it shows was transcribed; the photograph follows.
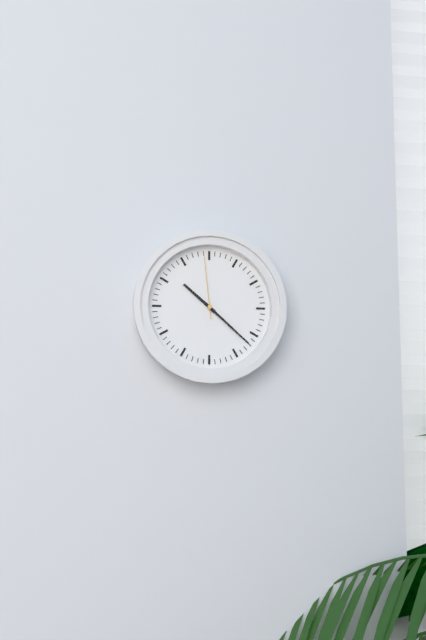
10:22:59
